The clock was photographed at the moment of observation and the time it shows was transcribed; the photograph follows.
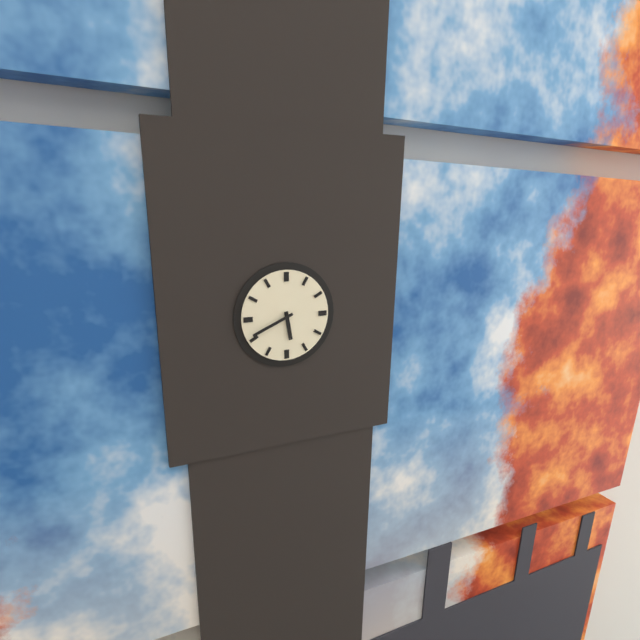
5:41
